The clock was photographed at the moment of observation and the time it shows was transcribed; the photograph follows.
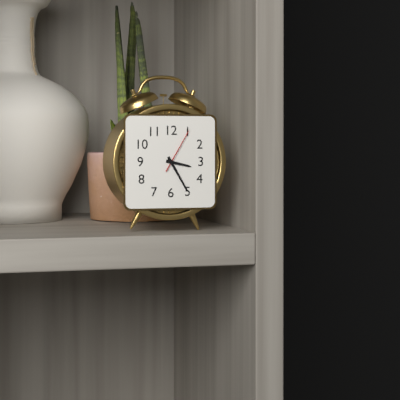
3:25
